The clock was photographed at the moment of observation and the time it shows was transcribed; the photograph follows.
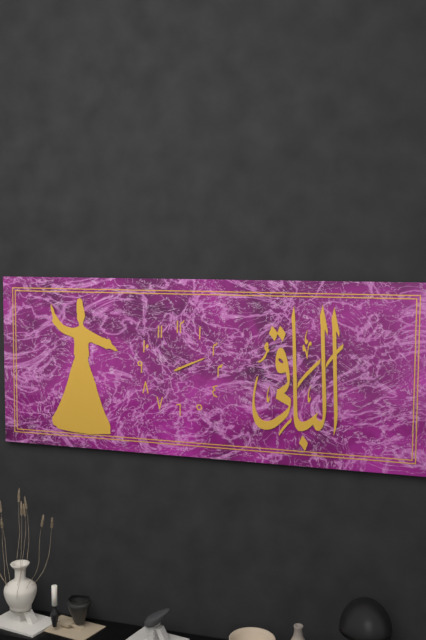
2:11
